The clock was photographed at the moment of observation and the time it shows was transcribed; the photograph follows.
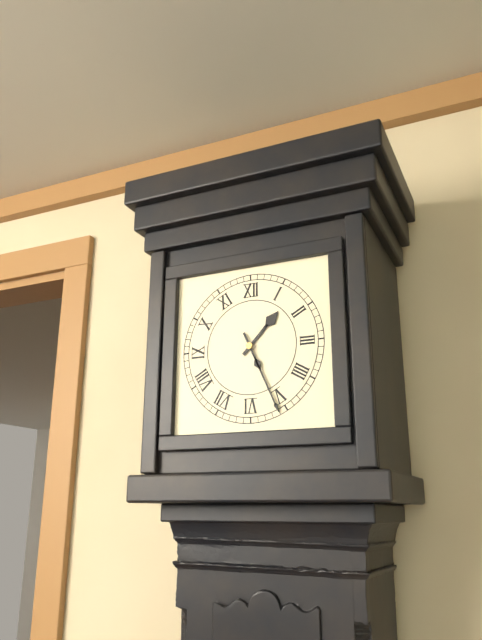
1:26
